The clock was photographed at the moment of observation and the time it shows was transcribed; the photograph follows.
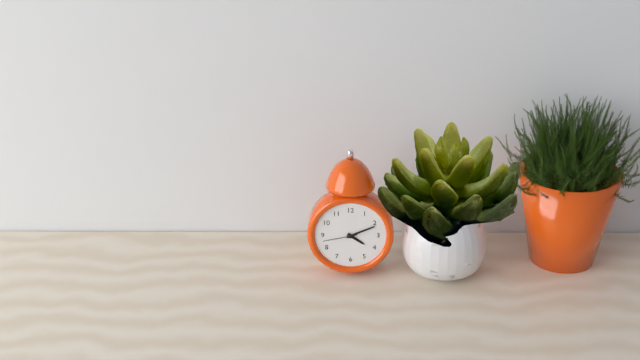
4:11
